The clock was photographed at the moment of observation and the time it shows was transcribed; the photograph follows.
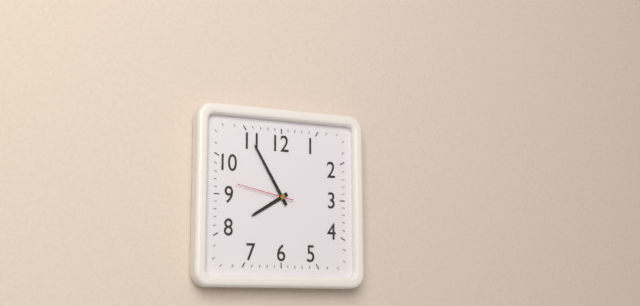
7:55:47
